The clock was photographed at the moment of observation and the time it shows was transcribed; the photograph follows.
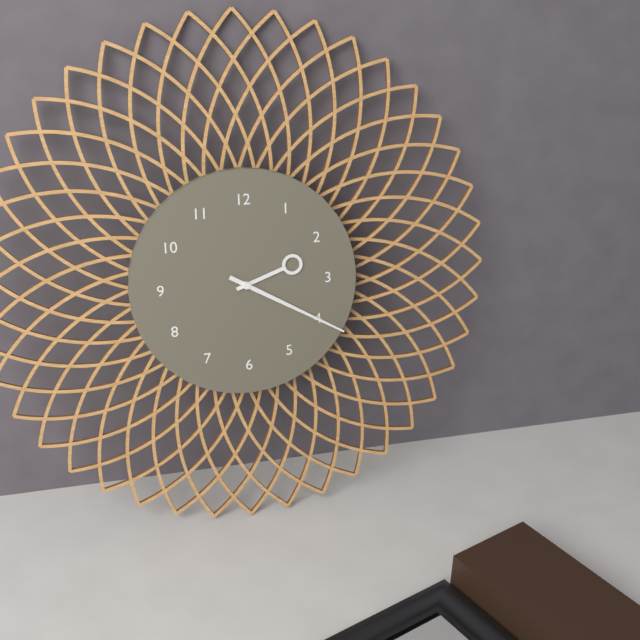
2:20
